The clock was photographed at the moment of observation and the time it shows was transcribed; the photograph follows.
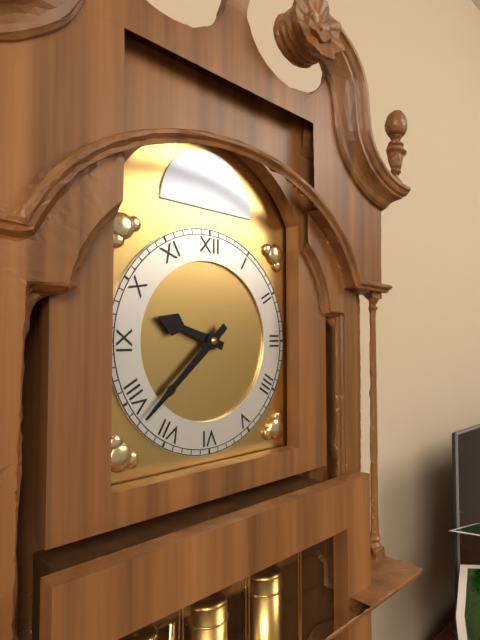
9:38
